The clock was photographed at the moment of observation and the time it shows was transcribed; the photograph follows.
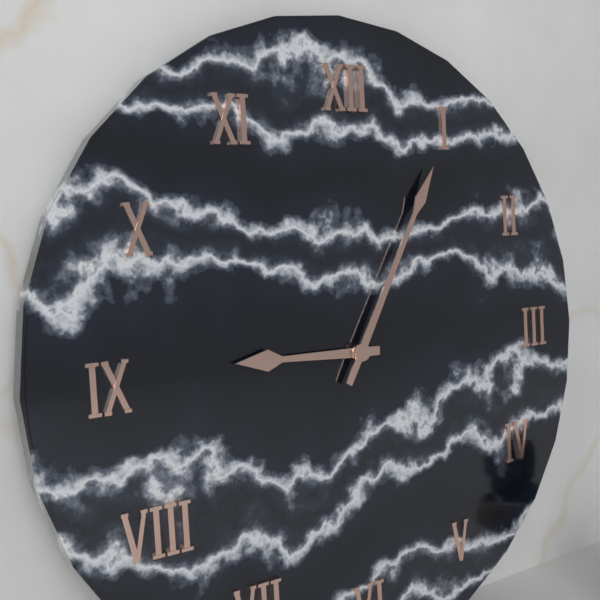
9:05
